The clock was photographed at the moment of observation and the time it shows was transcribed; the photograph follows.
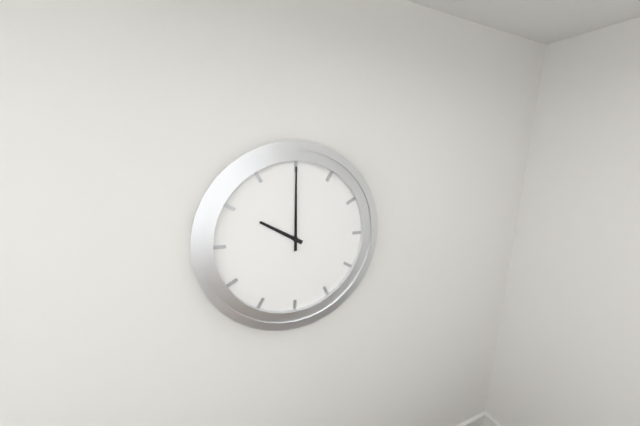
10:00
